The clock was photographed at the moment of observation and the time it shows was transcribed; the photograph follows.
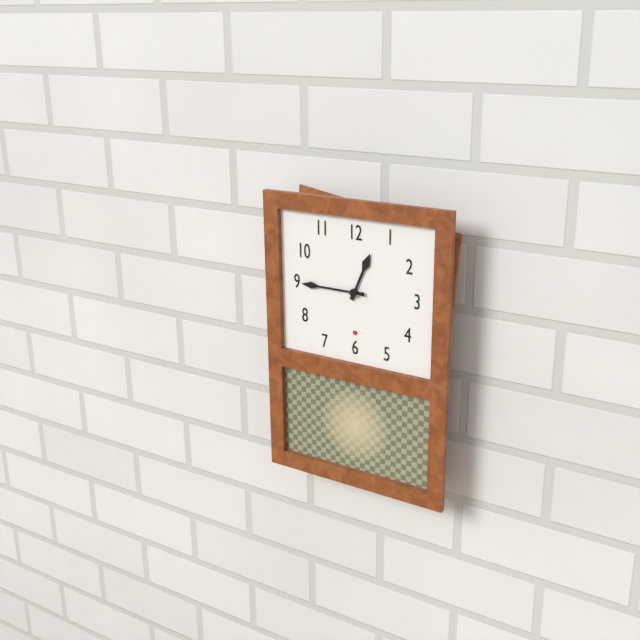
12:45
